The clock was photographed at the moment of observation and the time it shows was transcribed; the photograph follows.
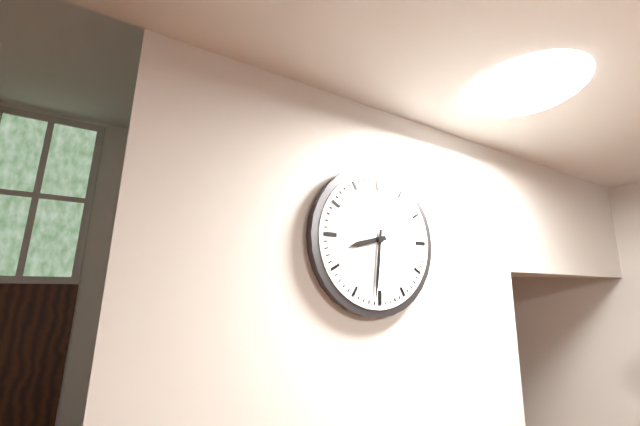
8:31
